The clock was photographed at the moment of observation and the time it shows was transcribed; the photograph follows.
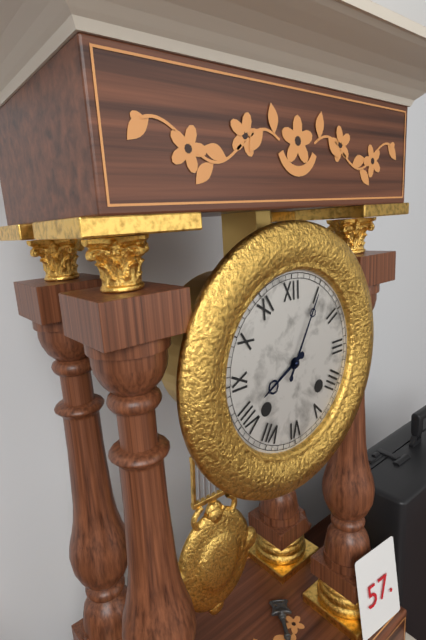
8:05
